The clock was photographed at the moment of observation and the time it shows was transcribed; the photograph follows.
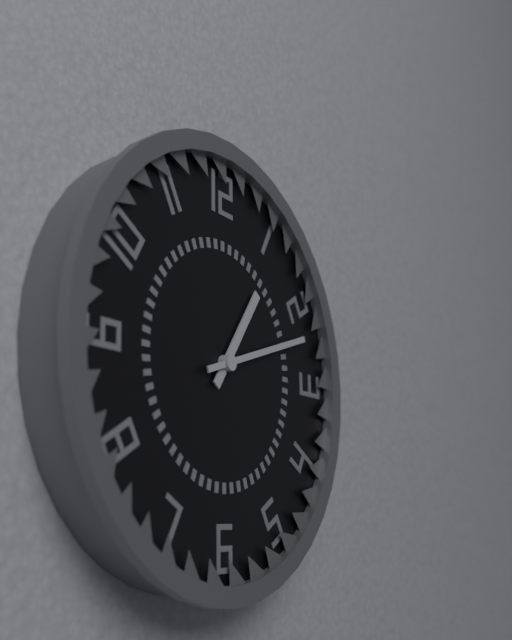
1:12
